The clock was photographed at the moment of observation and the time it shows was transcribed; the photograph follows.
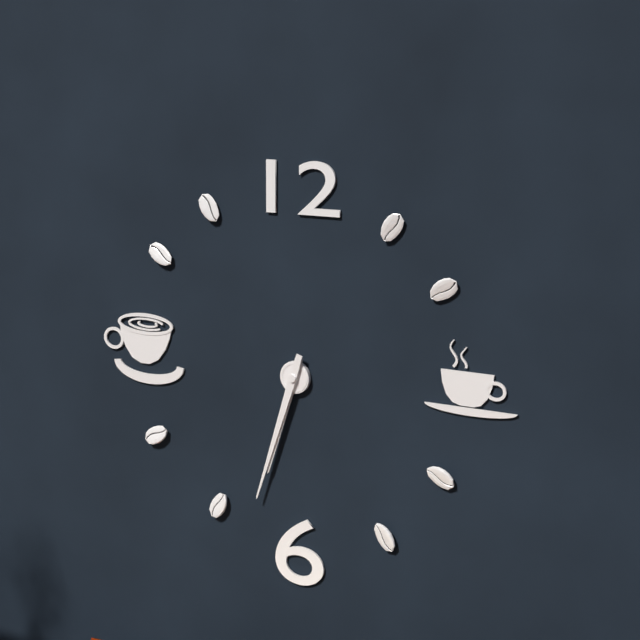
6:33
